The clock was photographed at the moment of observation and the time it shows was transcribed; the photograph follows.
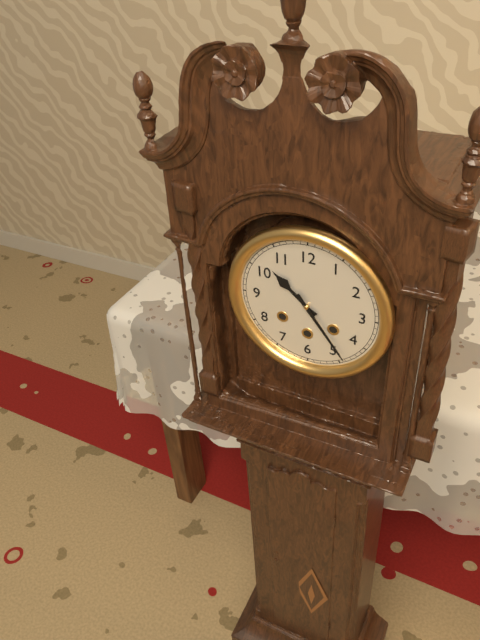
10:24
